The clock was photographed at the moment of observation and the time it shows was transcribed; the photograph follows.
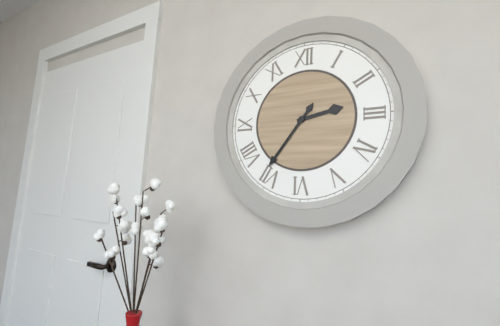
2:36
